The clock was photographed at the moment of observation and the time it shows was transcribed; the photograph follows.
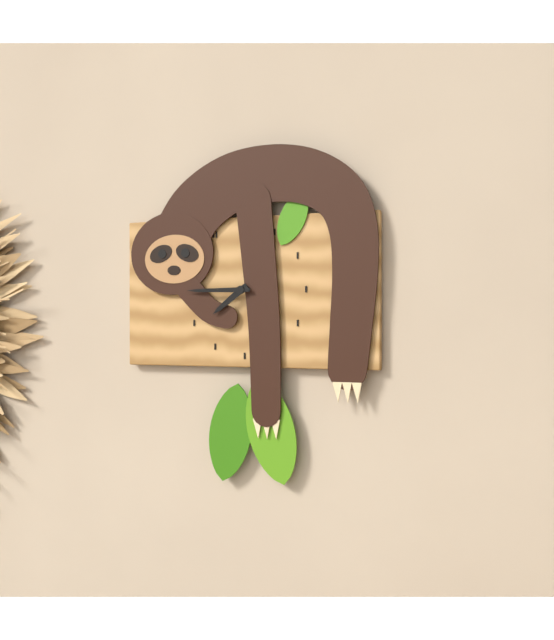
7:45
